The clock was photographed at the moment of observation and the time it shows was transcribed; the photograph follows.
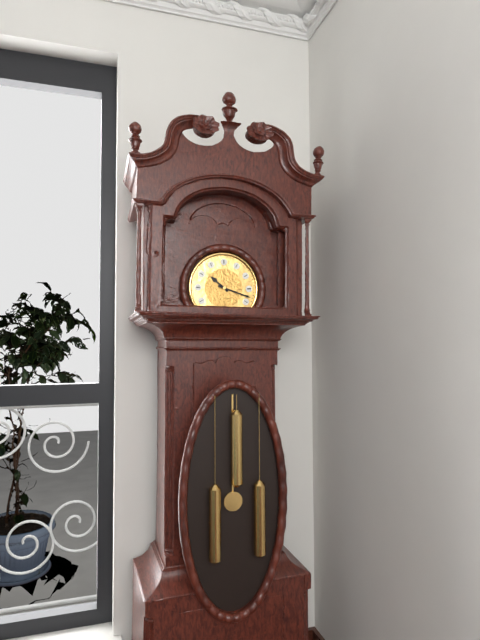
10:18
